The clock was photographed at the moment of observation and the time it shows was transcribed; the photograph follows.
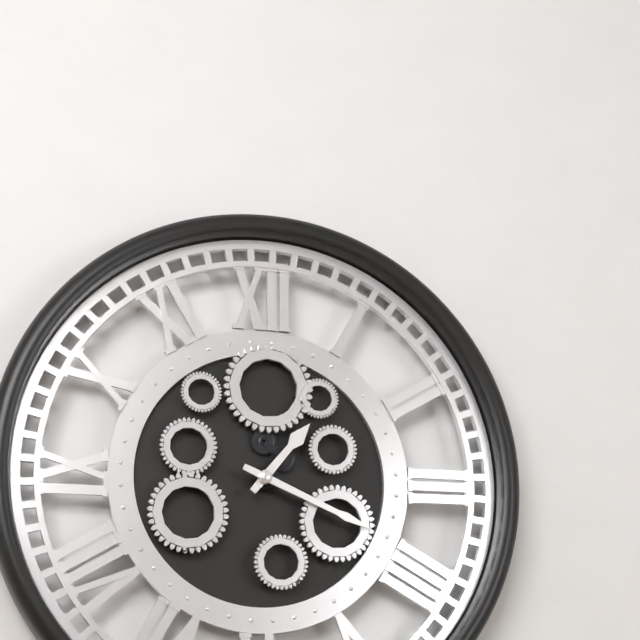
1:19
